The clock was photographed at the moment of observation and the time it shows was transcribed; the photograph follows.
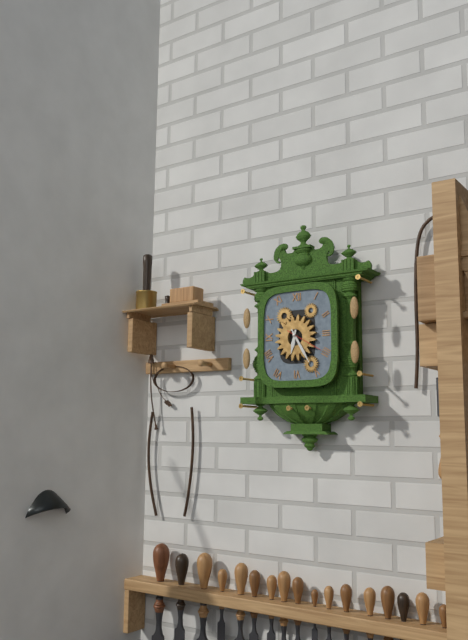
6:25
